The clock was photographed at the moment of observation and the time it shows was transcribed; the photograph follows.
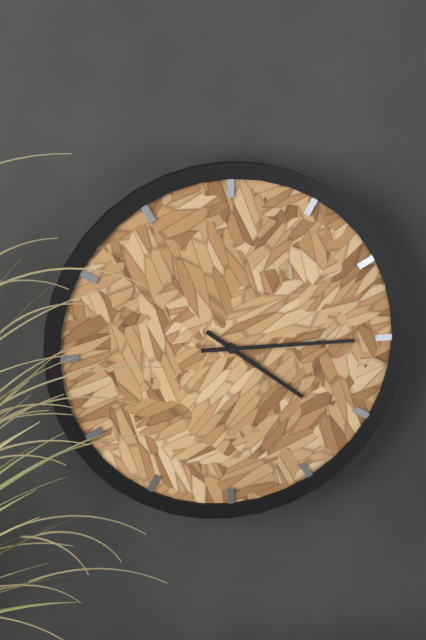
4:15
